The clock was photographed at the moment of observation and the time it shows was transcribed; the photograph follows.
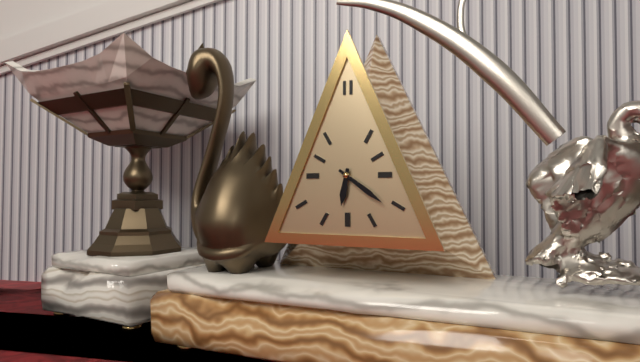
6:21
